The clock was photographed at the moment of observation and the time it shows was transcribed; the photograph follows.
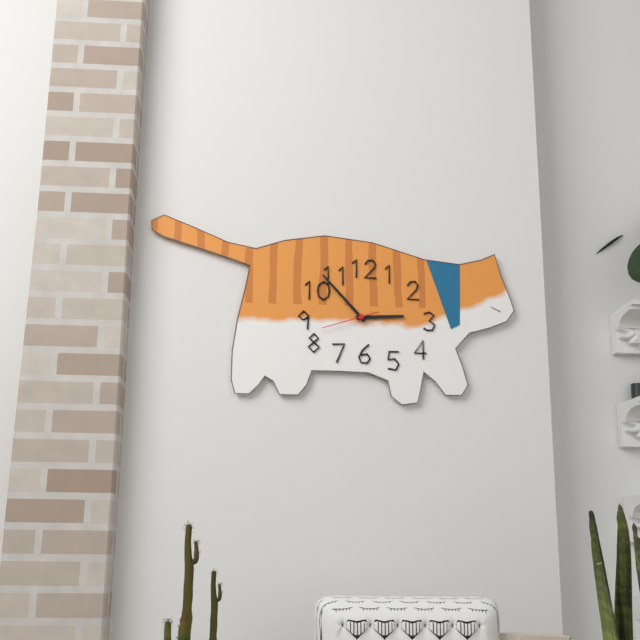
2:53:42
